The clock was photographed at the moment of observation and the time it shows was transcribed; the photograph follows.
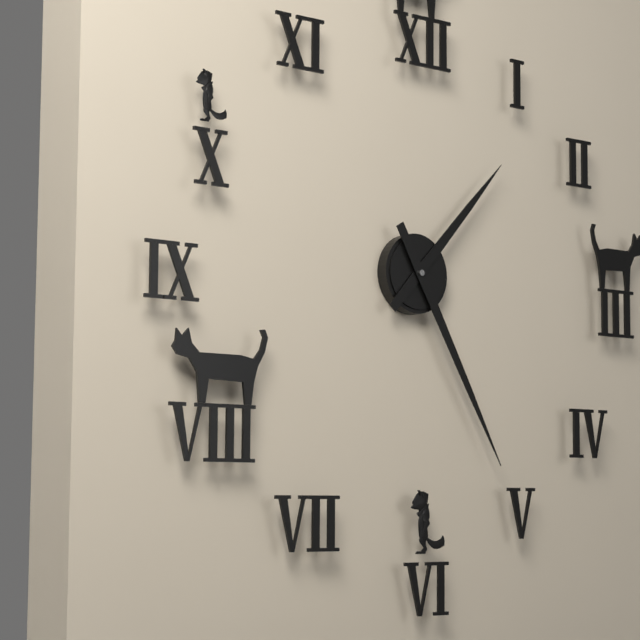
1:25
